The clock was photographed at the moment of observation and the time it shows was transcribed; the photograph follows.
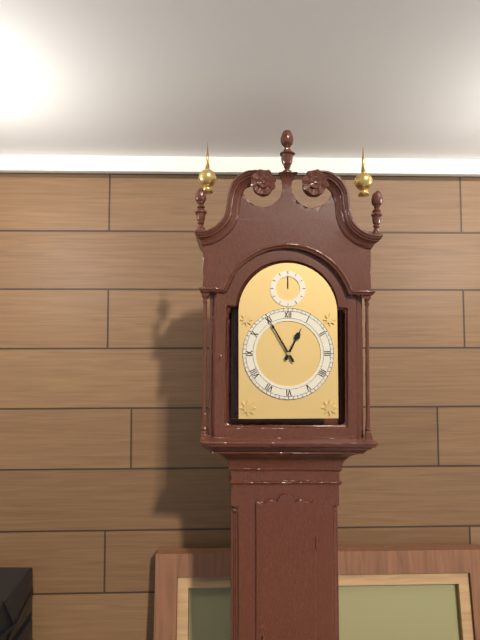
12:55
